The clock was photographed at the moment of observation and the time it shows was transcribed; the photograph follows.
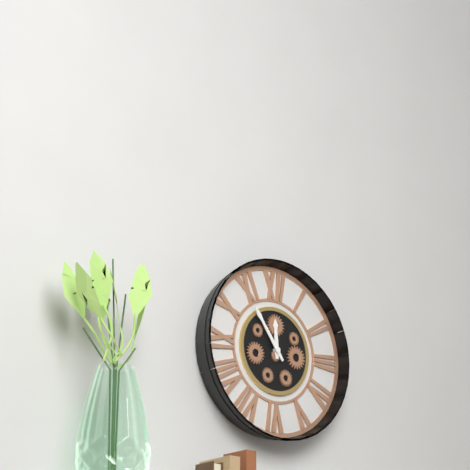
11:54
